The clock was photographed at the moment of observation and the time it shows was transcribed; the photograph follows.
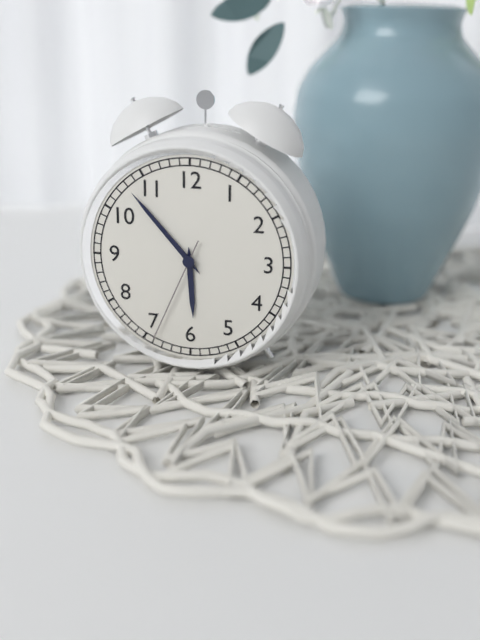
5:53:34
